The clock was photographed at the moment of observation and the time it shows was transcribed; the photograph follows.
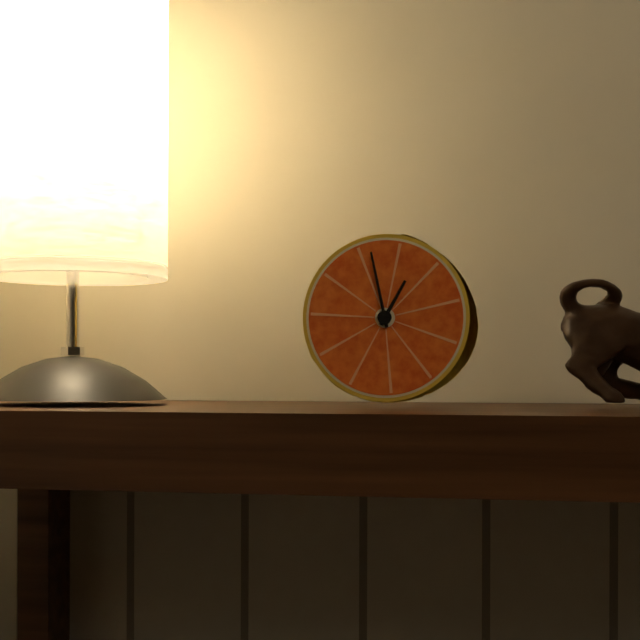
12:58
